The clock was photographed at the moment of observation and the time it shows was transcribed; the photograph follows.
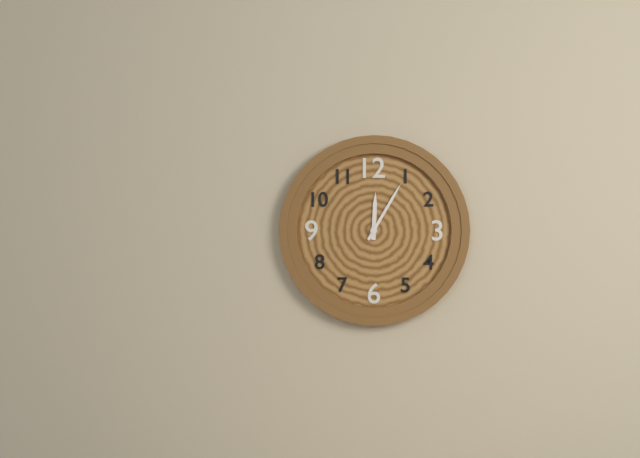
12:05
